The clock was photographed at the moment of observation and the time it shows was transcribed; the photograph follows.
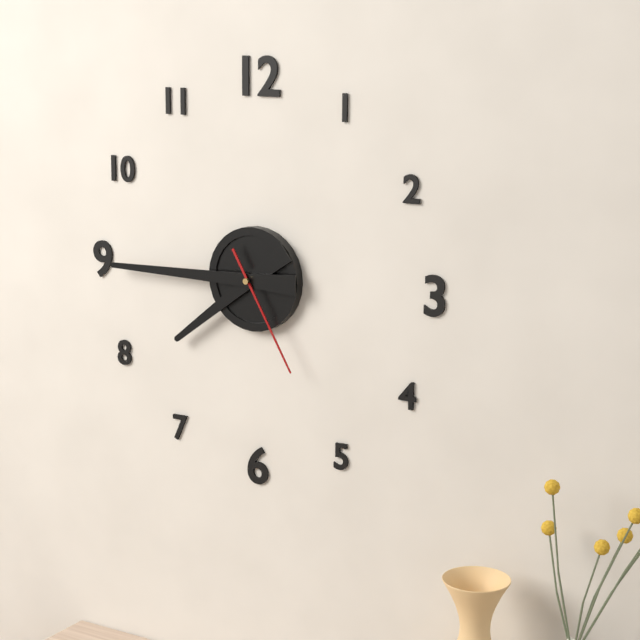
7:45:25
